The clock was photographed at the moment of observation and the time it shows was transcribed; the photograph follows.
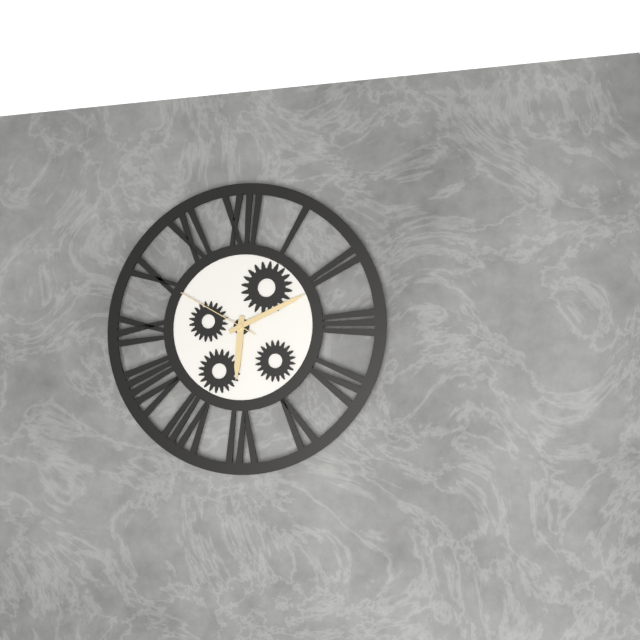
6:11:50
